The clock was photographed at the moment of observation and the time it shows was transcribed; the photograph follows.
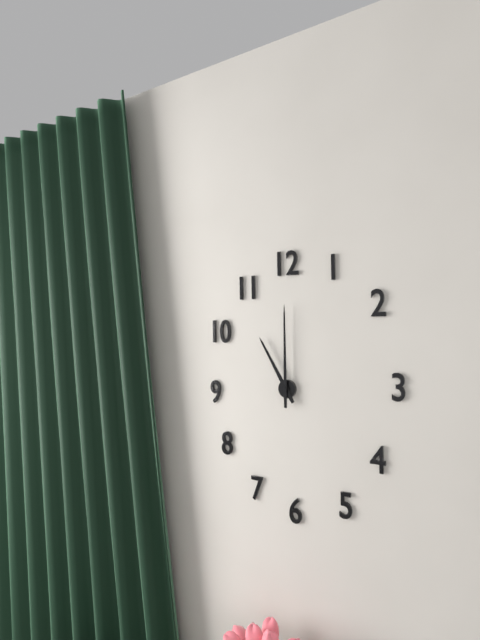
11:00
